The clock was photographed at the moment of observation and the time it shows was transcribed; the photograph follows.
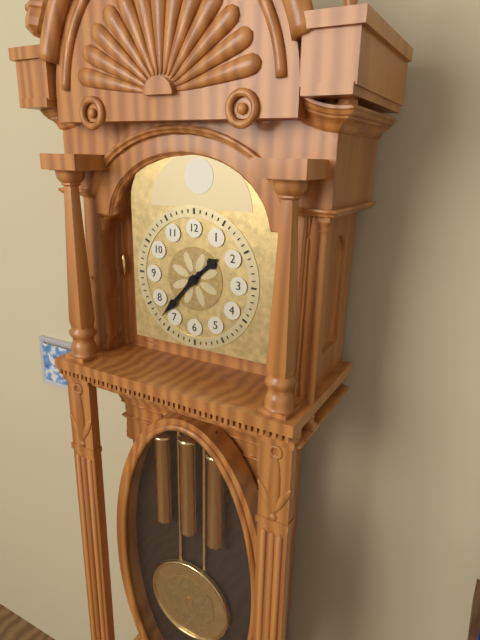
1:37
